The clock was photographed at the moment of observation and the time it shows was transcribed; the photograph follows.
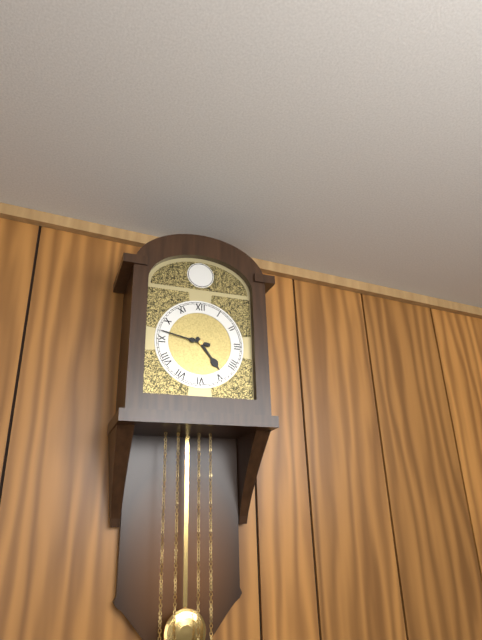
4:47
